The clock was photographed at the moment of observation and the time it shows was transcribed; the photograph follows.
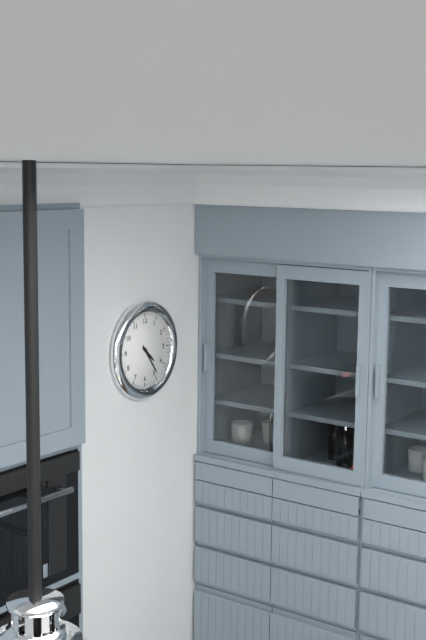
4:24
